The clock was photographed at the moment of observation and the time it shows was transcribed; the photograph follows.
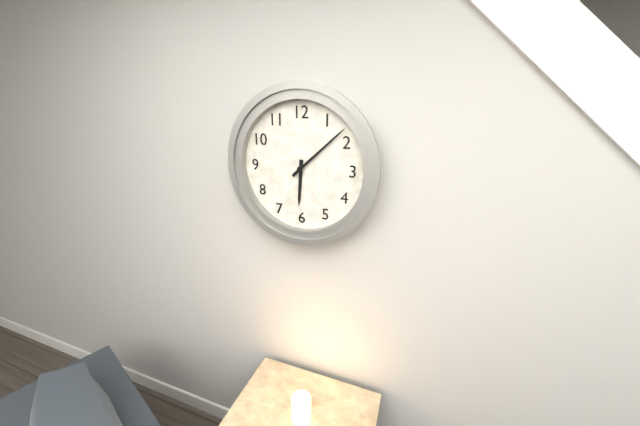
6:08
